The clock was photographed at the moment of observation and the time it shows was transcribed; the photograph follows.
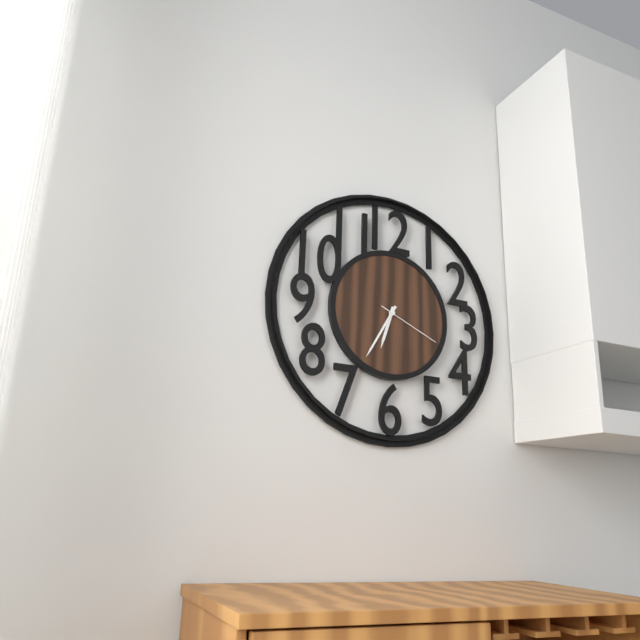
6:35:19
